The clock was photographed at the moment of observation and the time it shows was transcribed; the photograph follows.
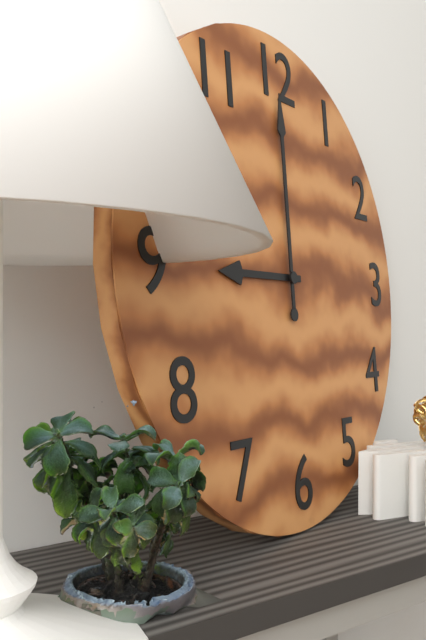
9:00
